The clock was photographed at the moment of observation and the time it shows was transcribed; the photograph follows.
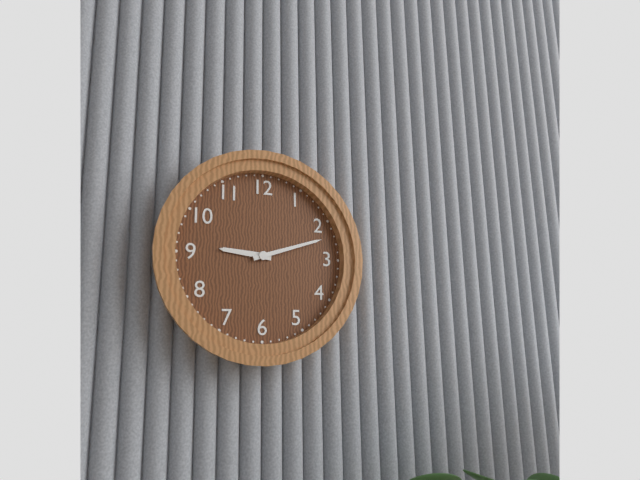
9:12
